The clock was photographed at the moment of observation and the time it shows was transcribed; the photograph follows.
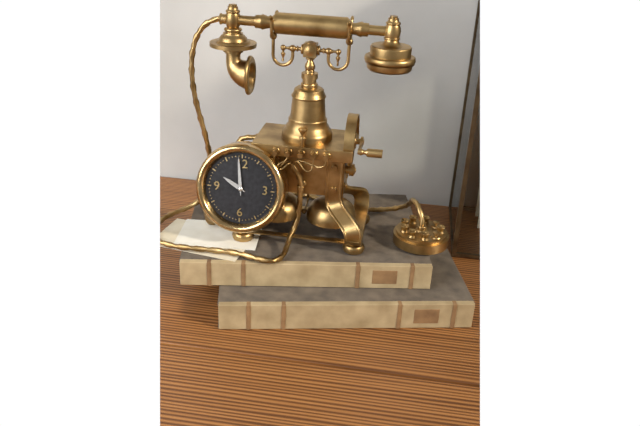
9:59
